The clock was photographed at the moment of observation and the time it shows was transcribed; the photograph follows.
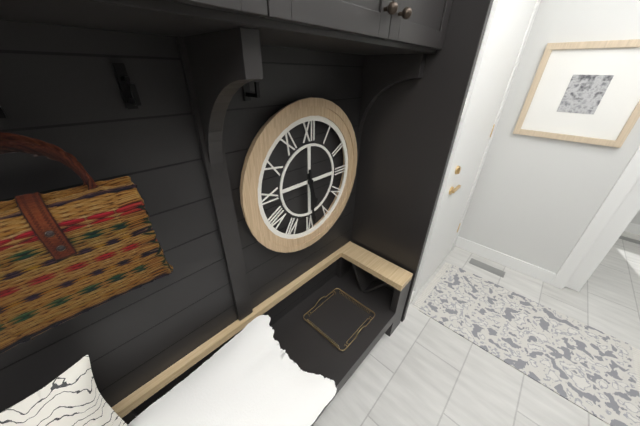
5:29
